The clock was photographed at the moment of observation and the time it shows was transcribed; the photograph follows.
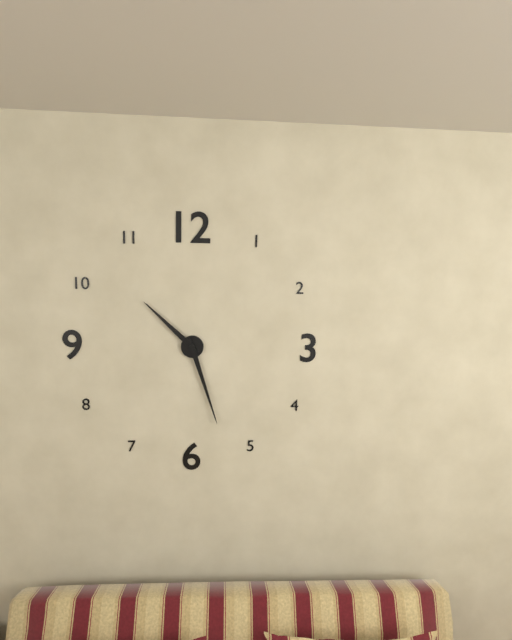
10:27
